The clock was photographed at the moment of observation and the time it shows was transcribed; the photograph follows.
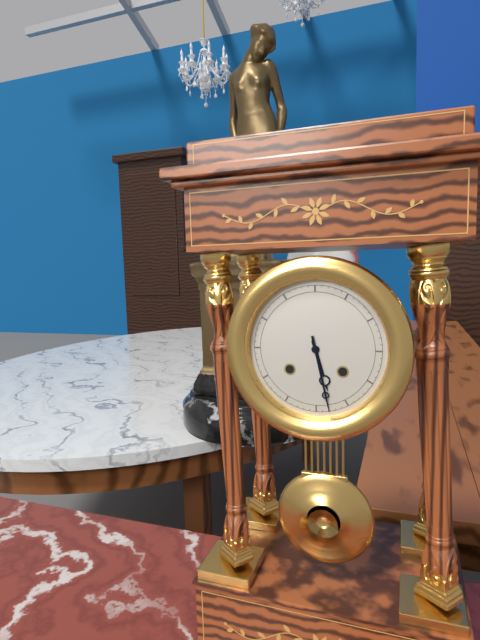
5:28
